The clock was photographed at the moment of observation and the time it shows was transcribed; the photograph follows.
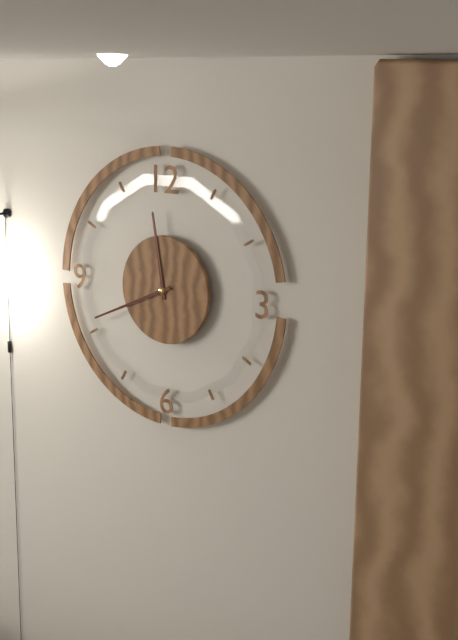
11:41
